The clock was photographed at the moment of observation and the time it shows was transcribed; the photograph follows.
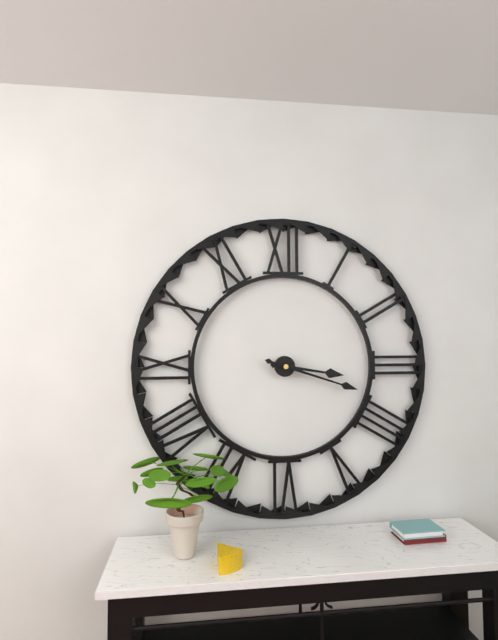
3:18
